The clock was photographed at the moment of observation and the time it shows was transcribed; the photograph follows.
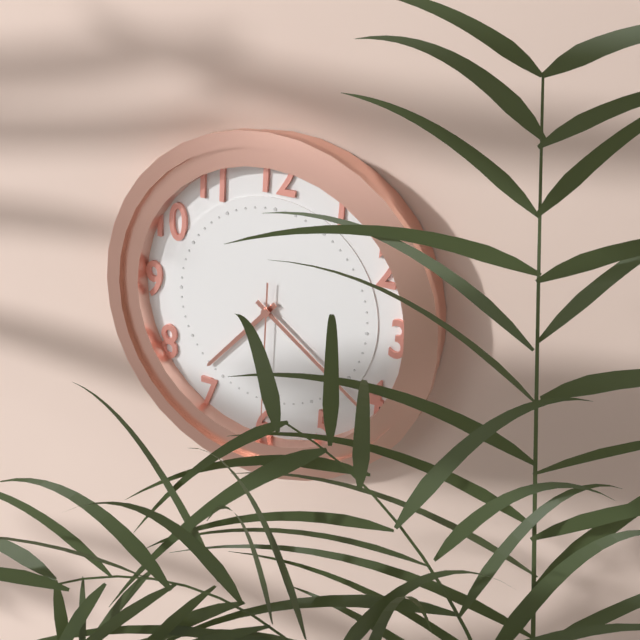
7:21:30
